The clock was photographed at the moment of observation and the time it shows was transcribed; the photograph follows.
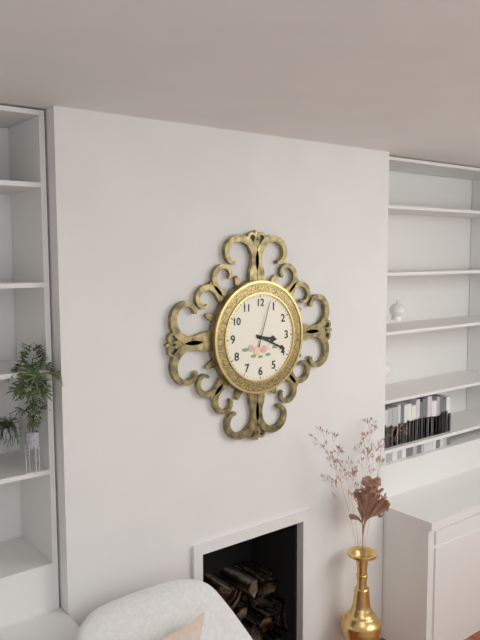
3:19
